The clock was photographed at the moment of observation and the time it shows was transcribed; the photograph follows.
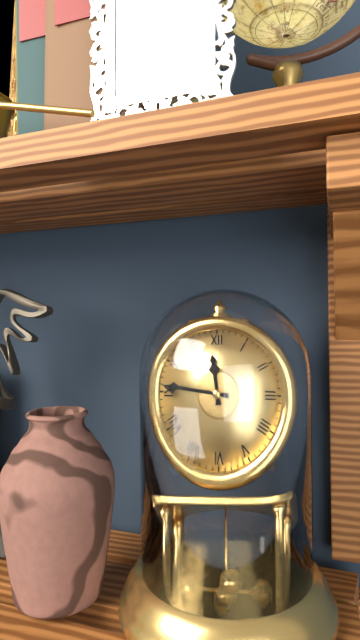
11:46
